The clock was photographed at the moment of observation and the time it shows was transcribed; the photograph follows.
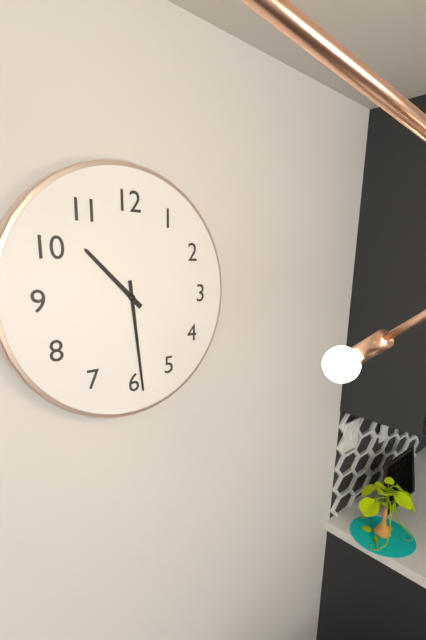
10:29
